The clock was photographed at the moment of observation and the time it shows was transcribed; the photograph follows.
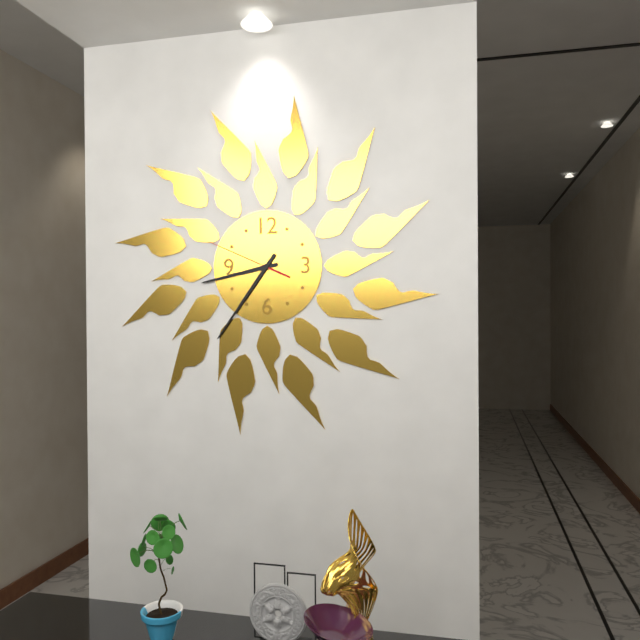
8:36:49
